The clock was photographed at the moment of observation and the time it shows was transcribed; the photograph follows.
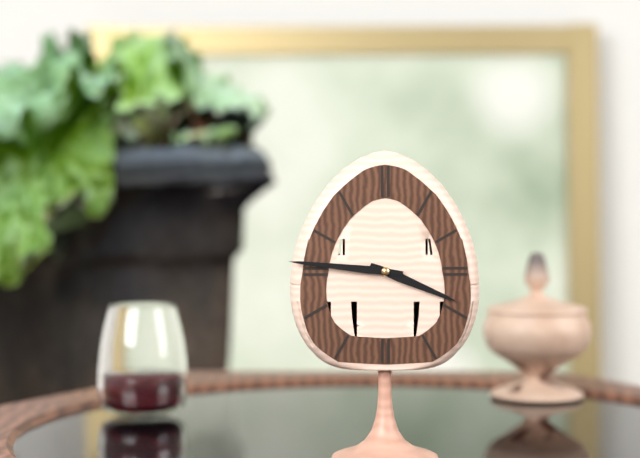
3:46
